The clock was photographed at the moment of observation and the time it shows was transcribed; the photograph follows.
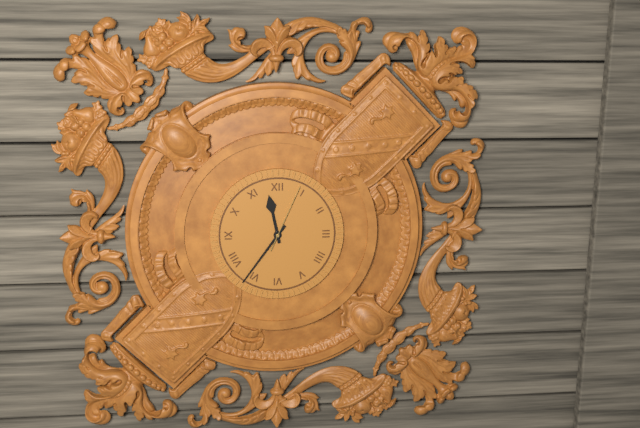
11:36:04
